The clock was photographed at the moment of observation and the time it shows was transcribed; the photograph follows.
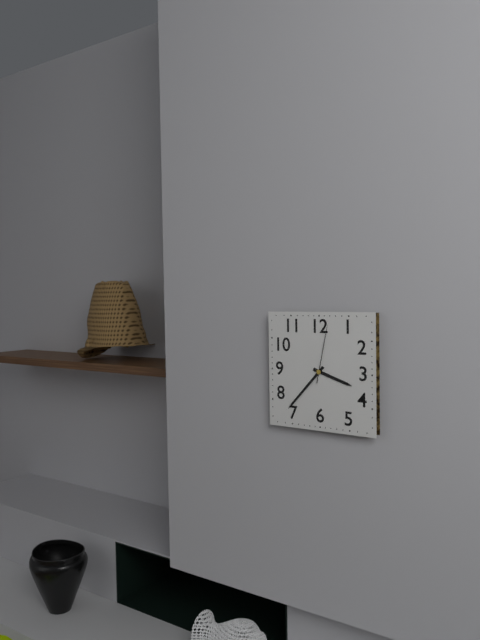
3:37:02
